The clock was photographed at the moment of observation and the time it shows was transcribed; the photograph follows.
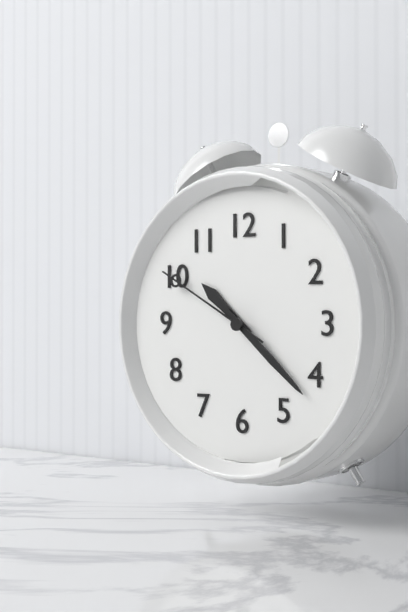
10:22:50
